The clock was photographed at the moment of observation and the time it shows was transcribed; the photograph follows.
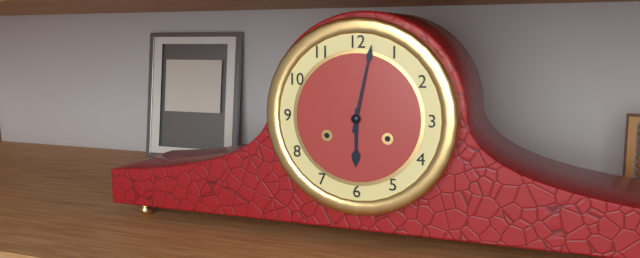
6:02
